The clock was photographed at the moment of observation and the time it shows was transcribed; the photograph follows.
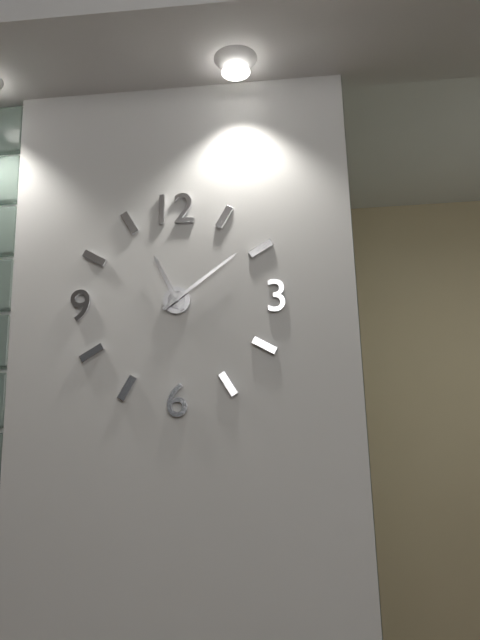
11:09
